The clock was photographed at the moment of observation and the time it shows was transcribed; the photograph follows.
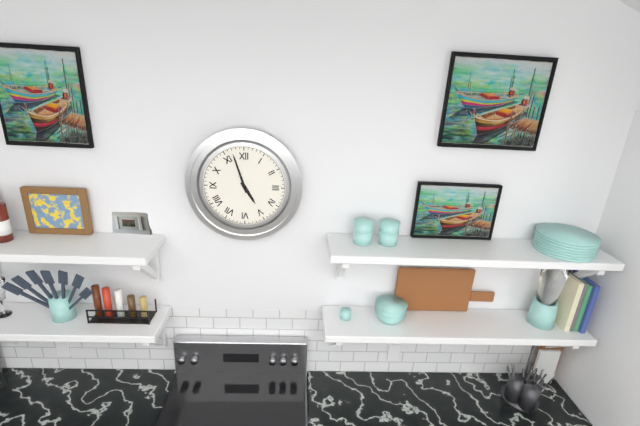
4:57
